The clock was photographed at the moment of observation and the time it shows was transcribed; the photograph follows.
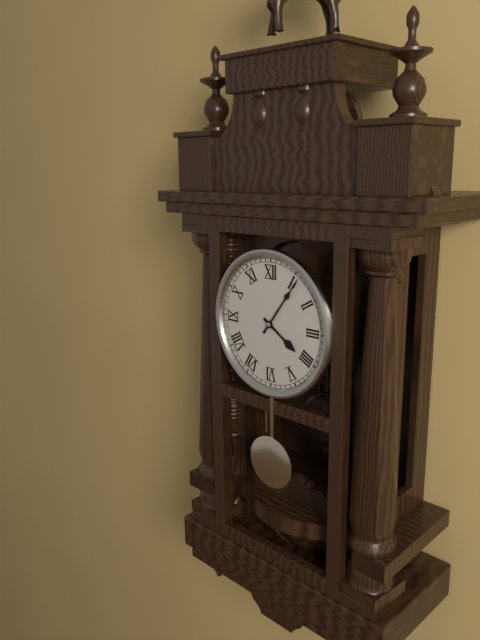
4:06
